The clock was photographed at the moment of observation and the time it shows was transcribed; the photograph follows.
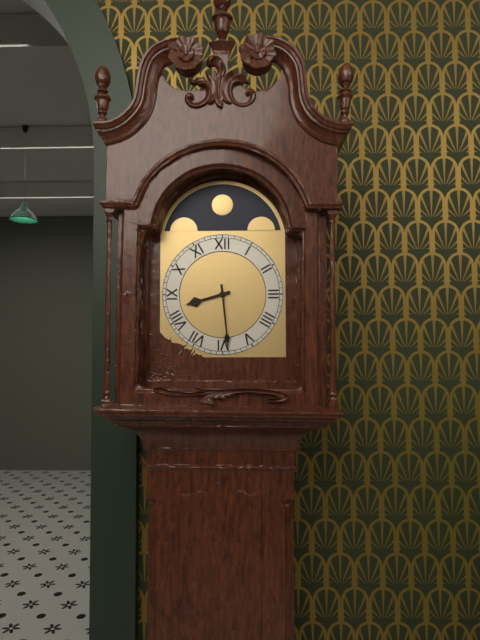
8:29
